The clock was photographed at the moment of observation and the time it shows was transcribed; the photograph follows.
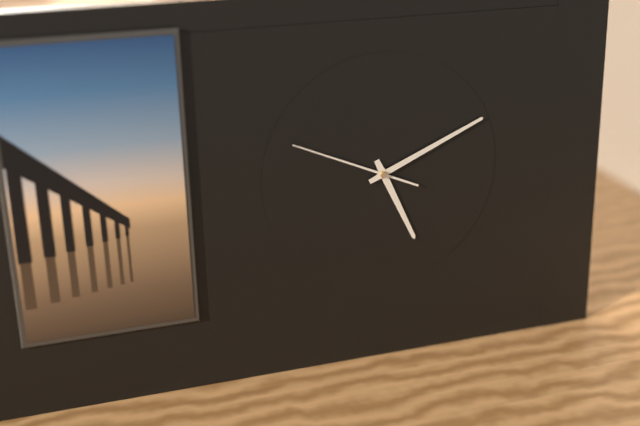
5:11:49
